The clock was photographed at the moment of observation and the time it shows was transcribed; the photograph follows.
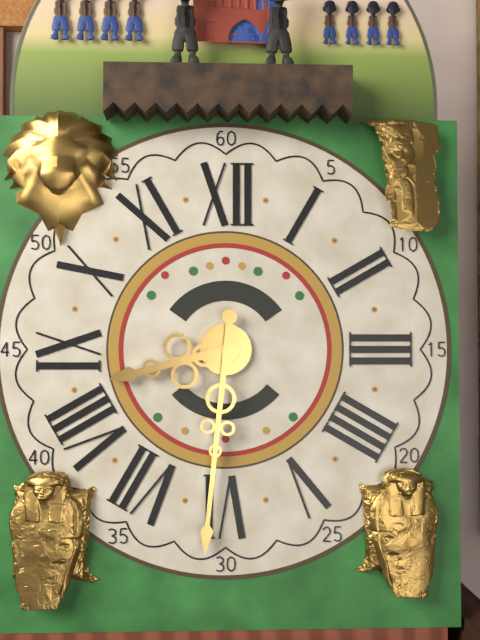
8:31
